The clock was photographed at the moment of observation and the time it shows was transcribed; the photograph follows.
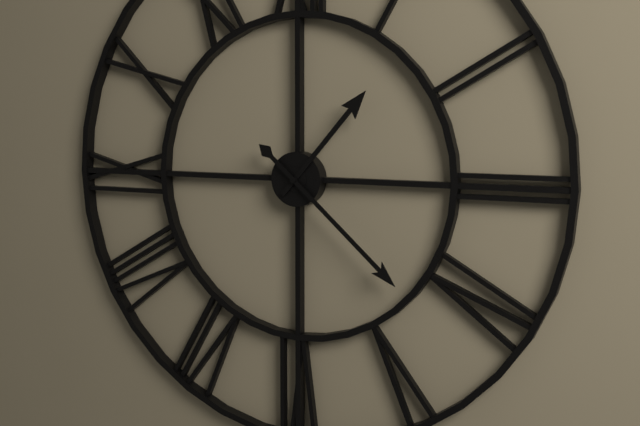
1:22
